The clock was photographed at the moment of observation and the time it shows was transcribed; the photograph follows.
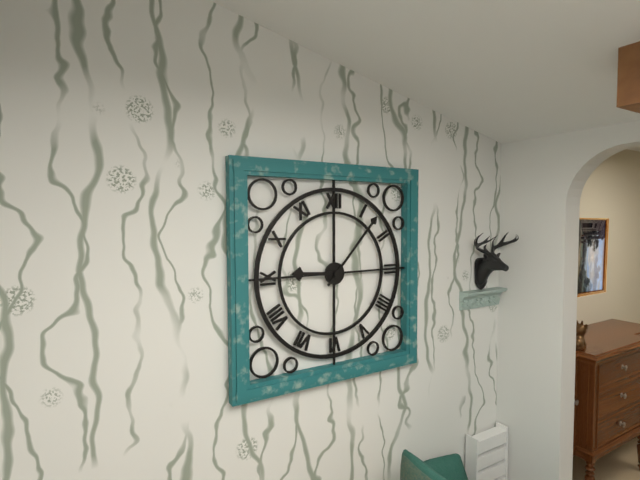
9:07
